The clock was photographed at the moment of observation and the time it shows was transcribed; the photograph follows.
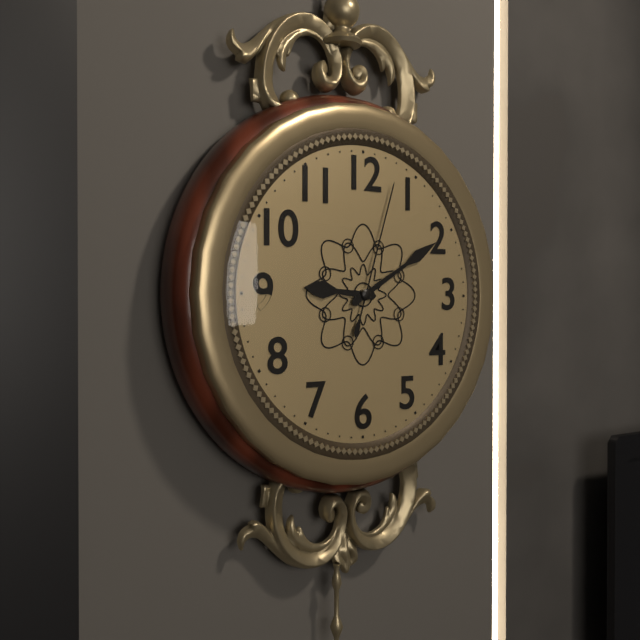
9:10:03
